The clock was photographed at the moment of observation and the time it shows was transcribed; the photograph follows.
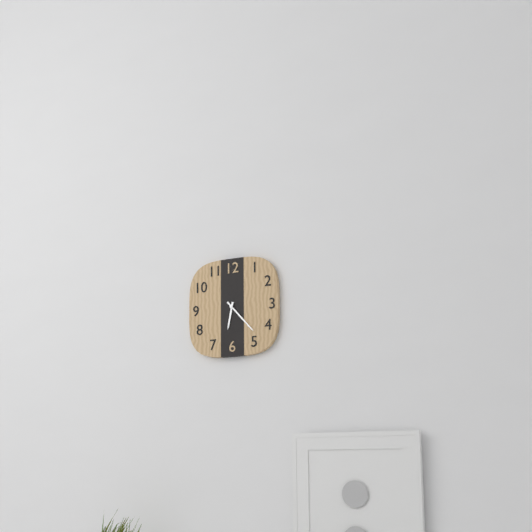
6:23
